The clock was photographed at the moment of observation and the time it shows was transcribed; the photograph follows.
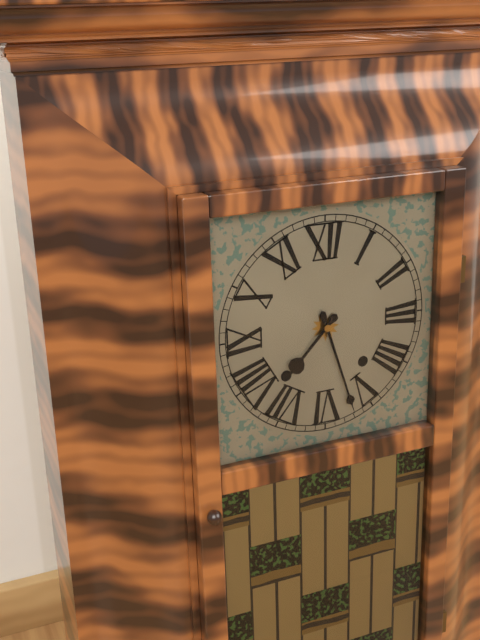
7:27
